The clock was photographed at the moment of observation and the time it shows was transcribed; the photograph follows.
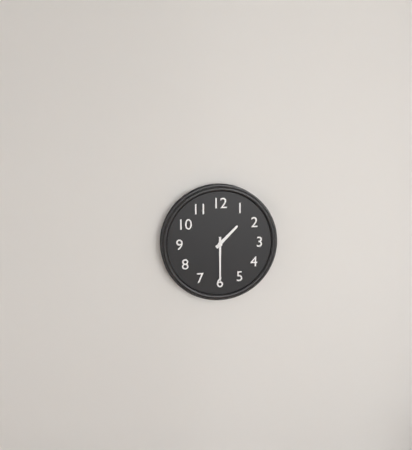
1:30
